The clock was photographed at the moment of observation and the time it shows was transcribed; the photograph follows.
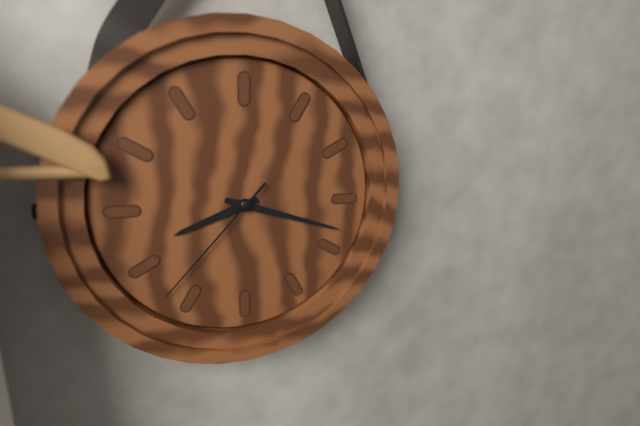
8:18:37
